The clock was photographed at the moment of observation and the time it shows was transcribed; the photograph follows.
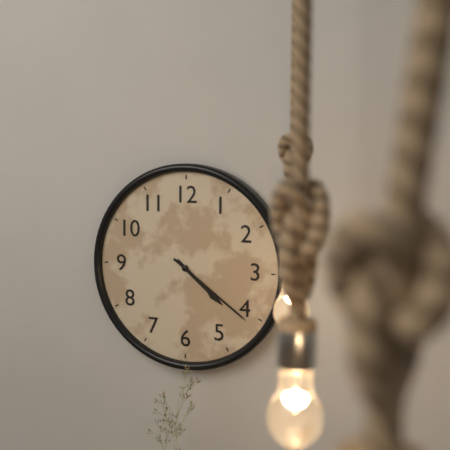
4:21
